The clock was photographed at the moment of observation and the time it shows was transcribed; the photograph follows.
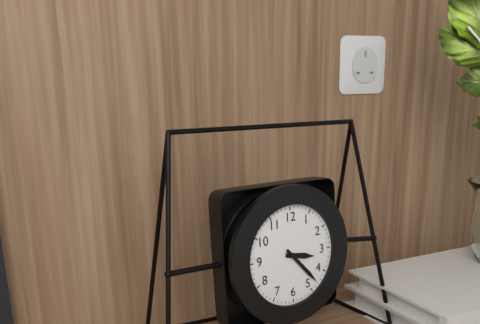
3:23
